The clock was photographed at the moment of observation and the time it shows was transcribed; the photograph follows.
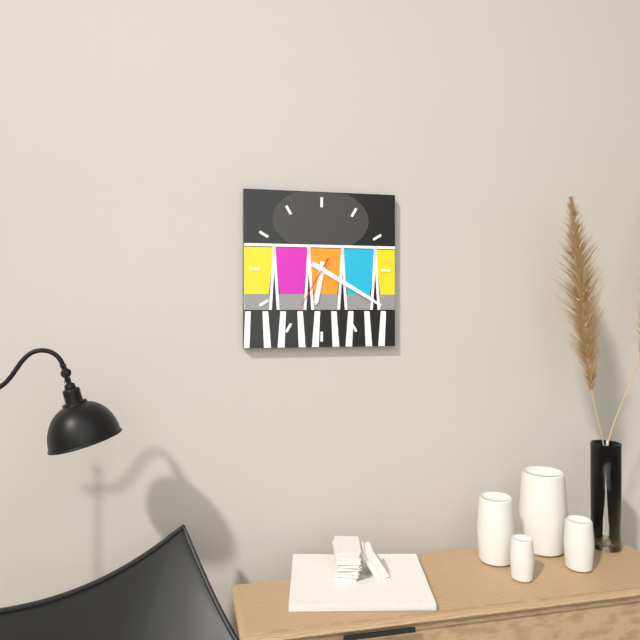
6:20
